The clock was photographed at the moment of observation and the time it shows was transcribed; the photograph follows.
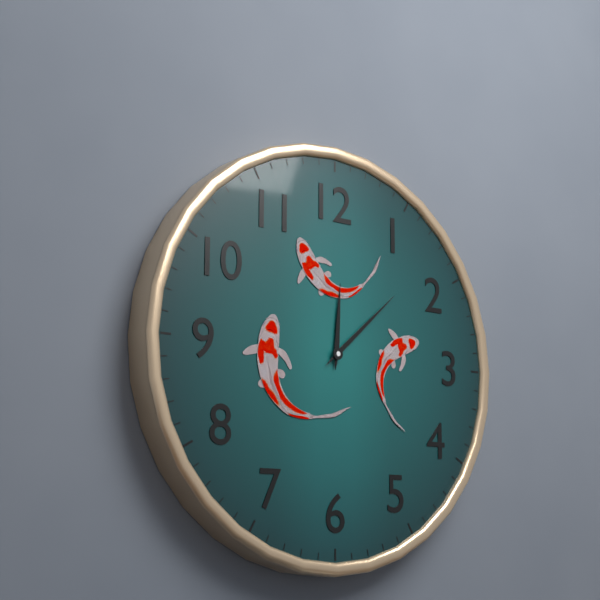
12:08
